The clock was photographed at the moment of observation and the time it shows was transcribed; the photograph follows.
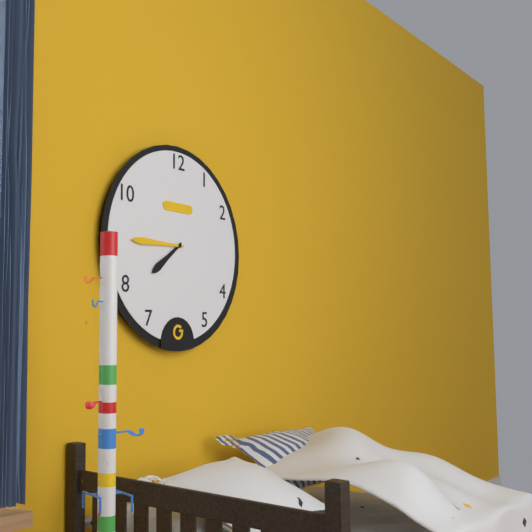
7:45
